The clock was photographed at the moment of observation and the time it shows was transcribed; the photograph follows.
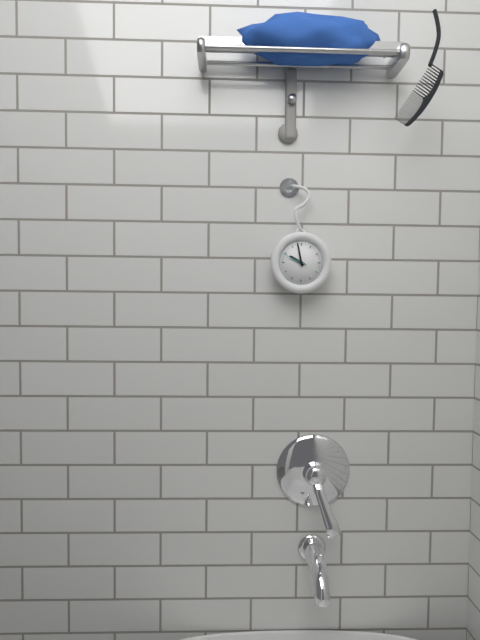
9:58
